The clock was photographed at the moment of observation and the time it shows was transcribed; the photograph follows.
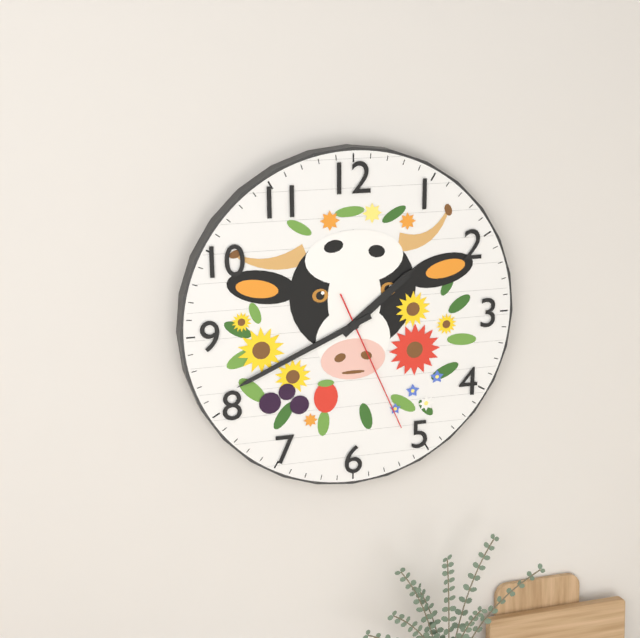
1:41:26
